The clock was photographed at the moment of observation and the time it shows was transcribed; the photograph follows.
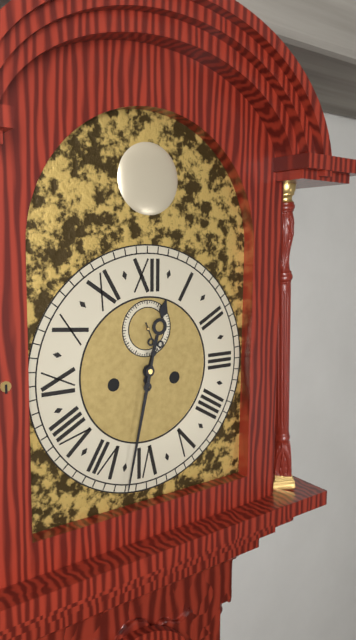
12:32
